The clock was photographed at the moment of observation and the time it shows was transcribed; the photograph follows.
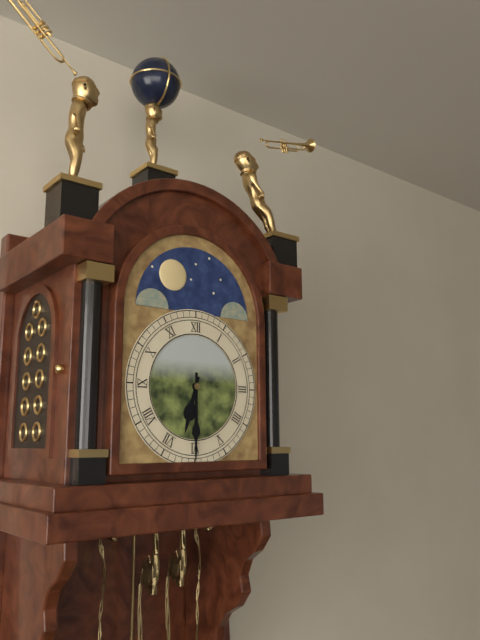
6:30
